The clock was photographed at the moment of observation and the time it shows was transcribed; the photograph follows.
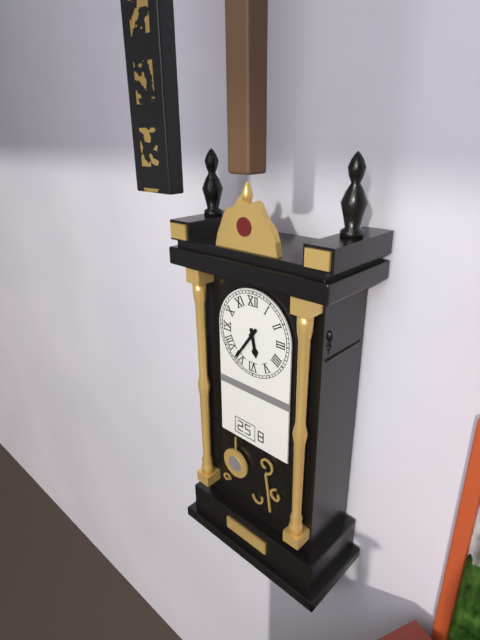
5:36
